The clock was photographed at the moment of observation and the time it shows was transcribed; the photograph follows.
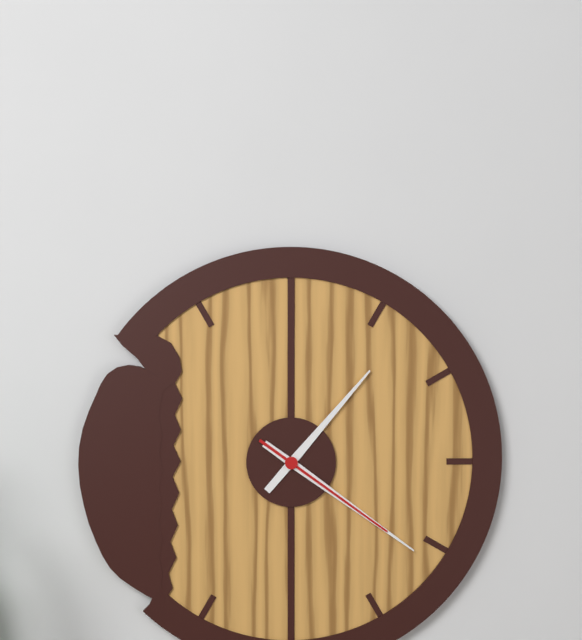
1:21:21
